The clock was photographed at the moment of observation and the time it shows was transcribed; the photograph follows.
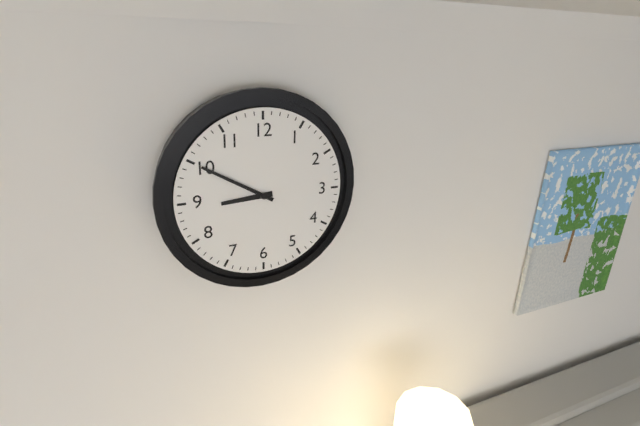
8:50
